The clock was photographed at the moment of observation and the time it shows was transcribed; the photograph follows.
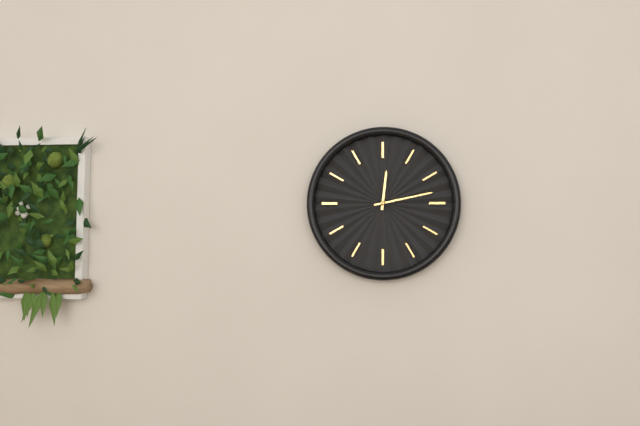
12:13
